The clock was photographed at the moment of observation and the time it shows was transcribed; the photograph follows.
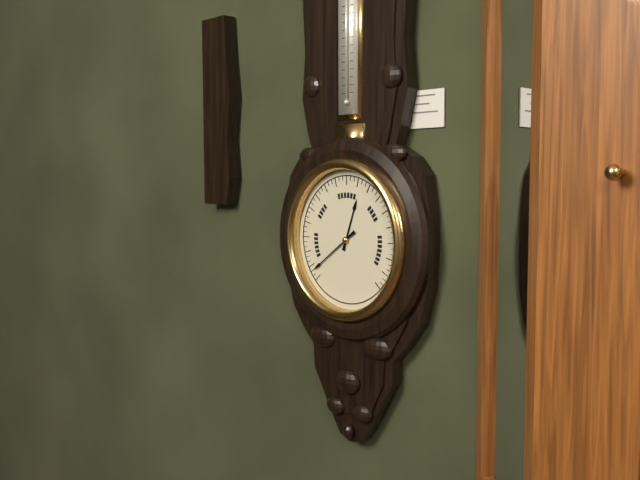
12:39
